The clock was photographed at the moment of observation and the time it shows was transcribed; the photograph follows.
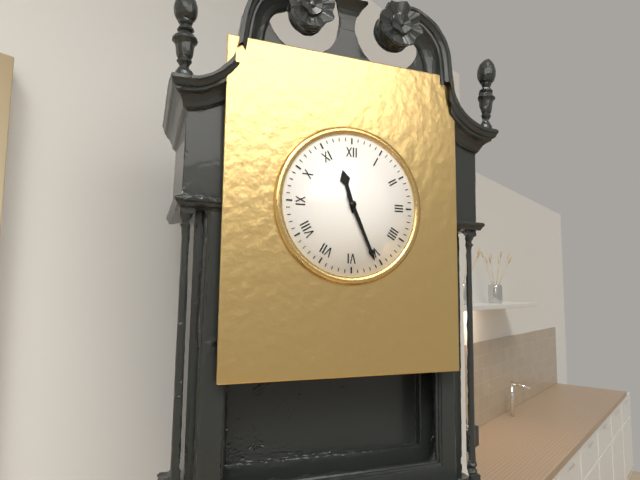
11:26
